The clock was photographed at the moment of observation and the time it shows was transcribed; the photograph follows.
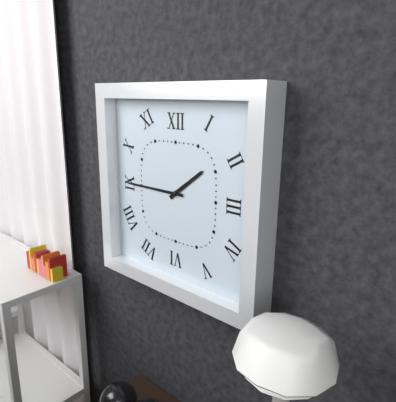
1:45
